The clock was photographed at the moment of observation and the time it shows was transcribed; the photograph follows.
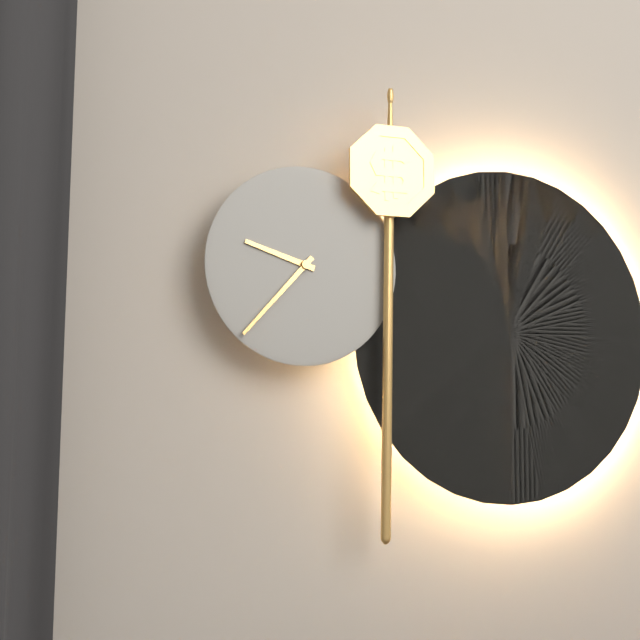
9:37
